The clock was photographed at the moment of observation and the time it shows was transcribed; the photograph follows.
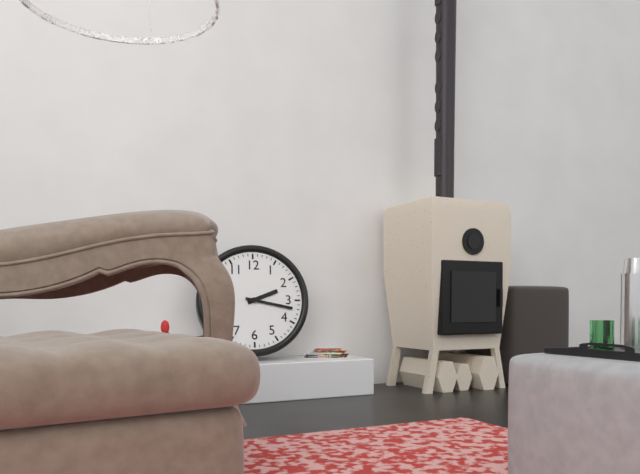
2:17
